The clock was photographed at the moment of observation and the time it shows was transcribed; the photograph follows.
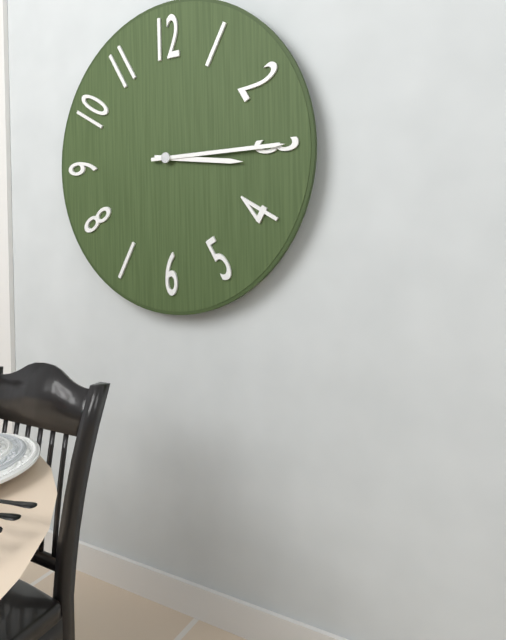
3:15
